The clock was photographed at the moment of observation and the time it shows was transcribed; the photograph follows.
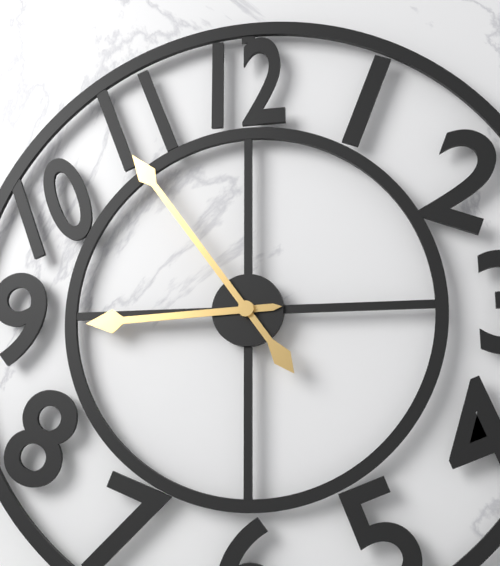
8:54
